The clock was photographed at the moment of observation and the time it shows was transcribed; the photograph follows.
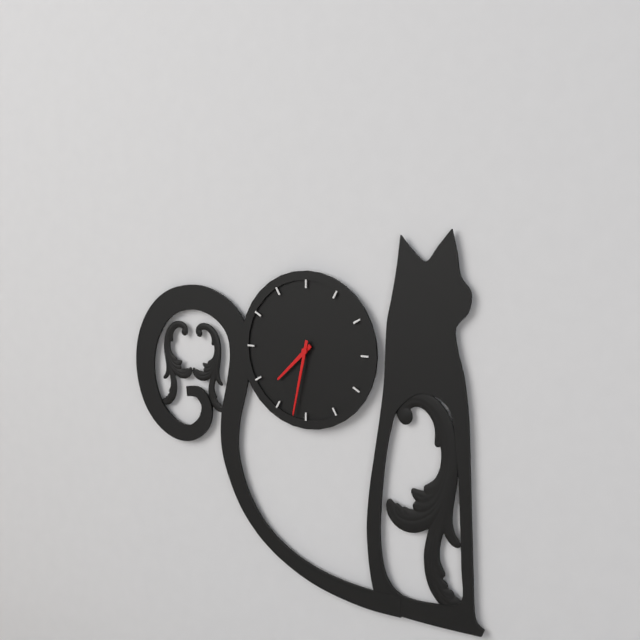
7:32
